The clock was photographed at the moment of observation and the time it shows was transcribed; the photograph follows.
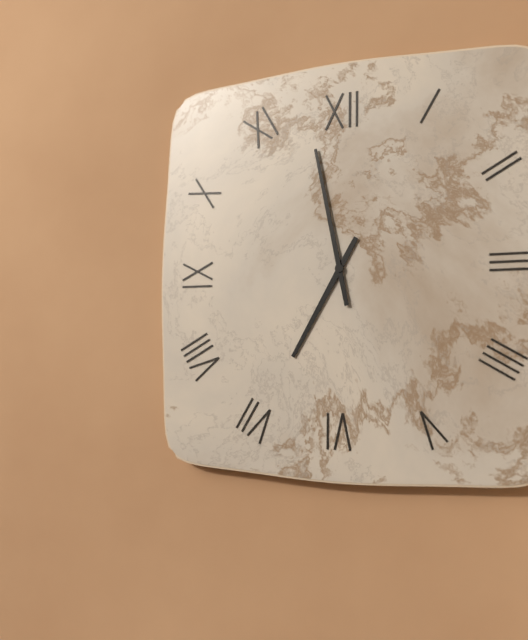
6:58
